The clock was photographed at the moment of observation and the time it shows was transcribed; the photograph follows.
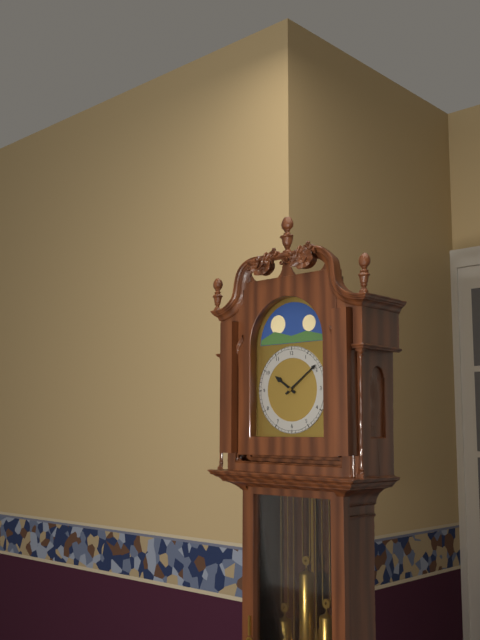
10:09
